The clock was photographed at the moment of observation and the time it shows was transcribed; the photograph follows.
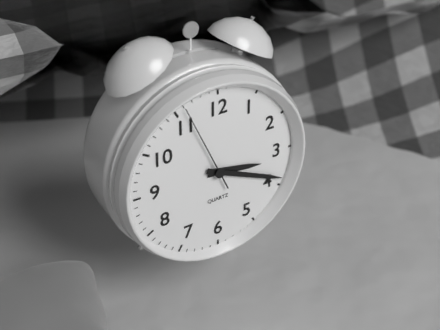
3:19:56
